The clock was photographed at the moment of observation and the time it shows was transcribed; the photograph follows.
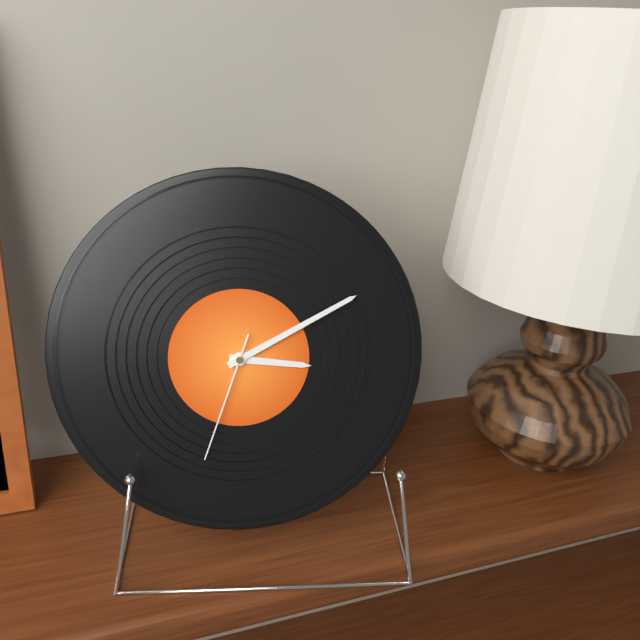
3:10:33
